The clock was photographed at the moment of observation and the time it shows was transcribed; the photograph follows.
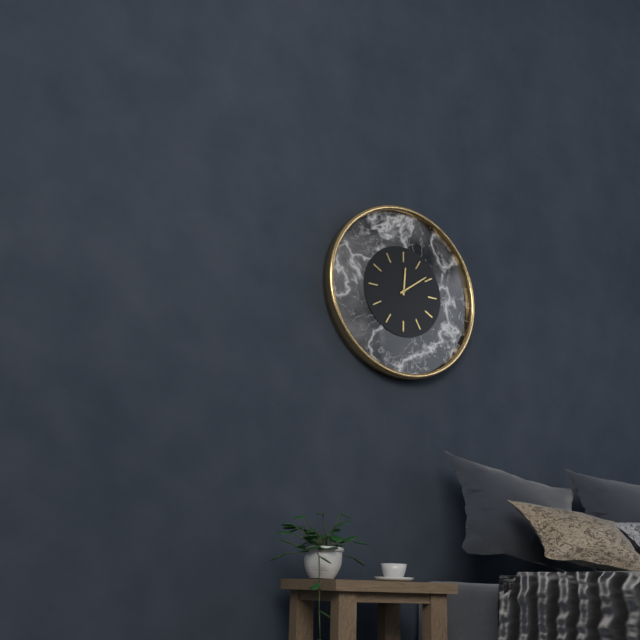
12:09
